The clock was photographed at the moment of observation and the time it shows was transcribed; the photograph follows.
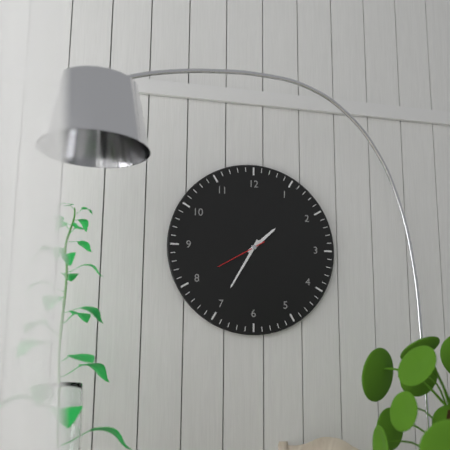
1:35:40
